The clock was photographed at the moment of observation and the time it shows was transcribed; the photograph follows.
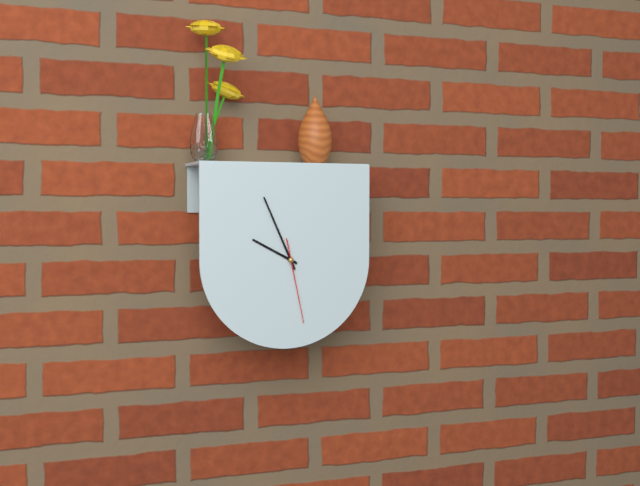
9:56:28
